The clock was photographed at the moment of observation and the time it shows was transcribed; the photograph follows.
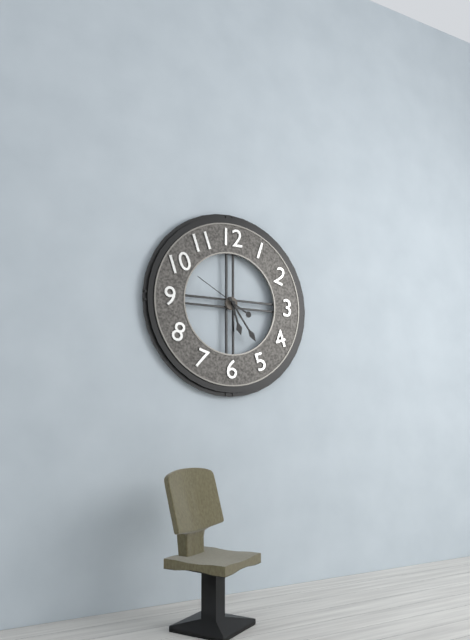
5:24:50
